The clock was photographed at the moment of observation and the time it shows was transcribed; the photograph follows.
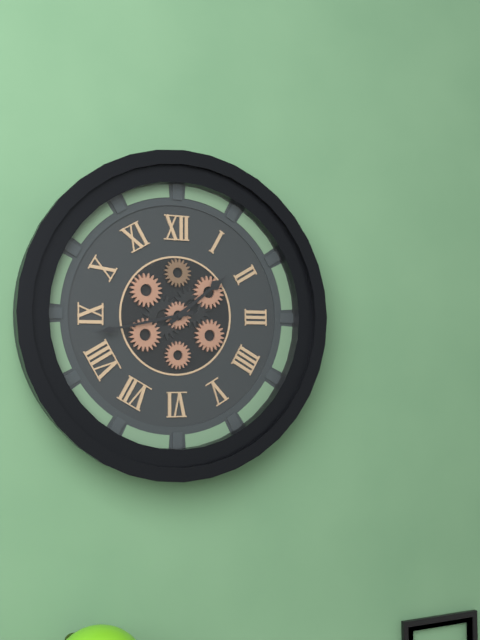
1:43
